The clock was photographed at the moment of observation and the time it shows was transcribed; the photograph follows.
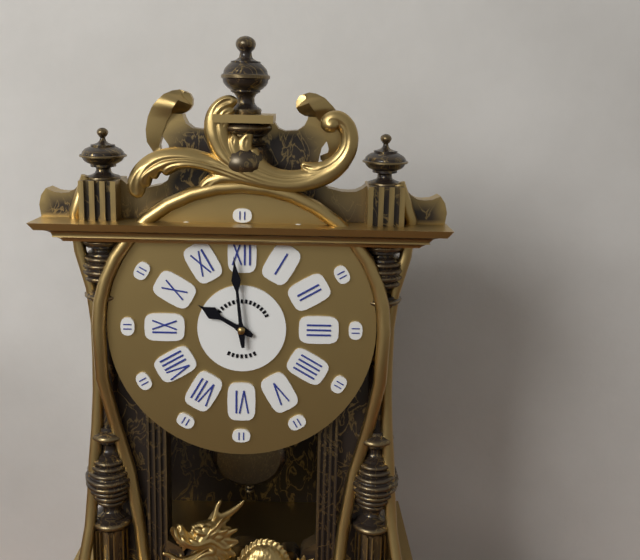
9:59
